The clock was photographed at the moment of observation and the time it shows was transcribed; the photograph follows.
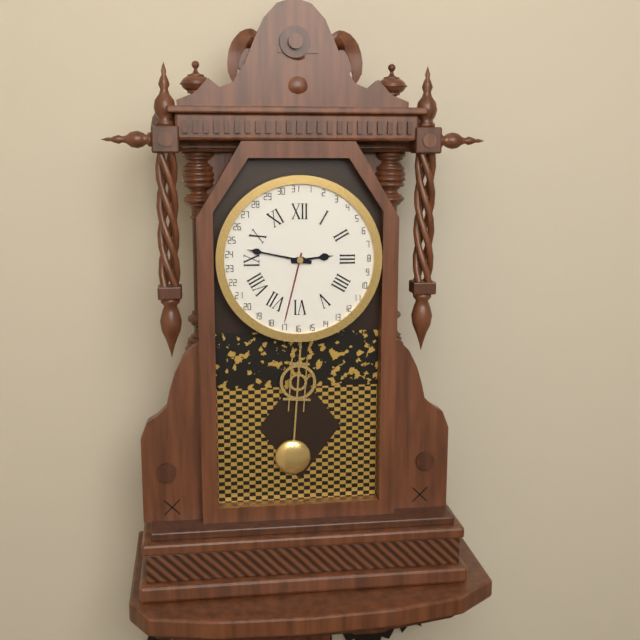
2:47
